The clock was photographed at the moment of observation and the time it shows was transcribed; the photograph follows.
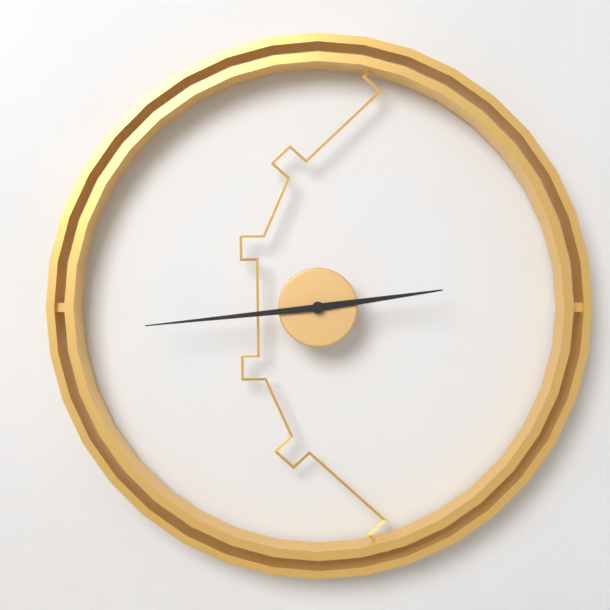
2:44
